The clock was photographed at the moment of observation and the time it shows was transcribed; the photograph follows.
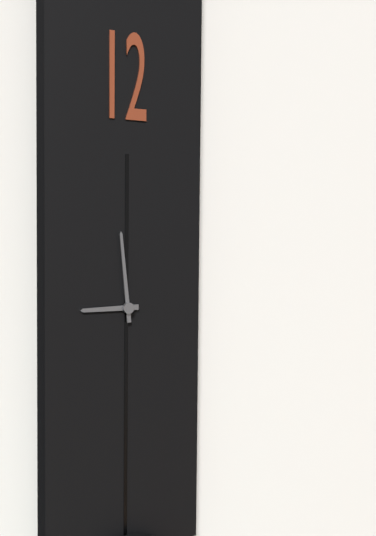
8:59
